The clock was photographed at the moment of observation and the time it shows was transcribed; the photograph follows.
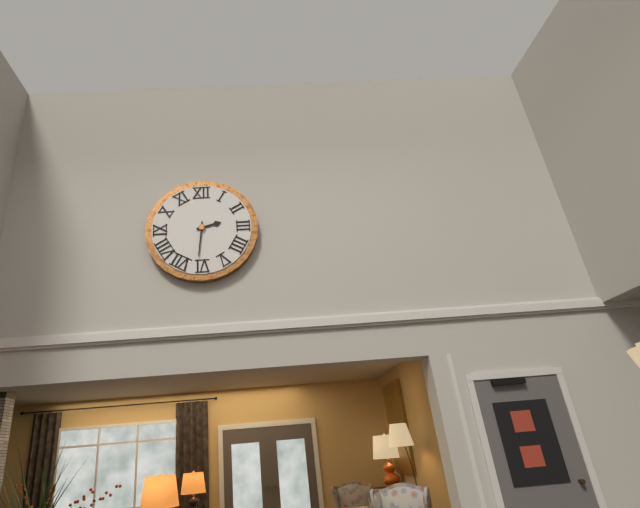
2:31
